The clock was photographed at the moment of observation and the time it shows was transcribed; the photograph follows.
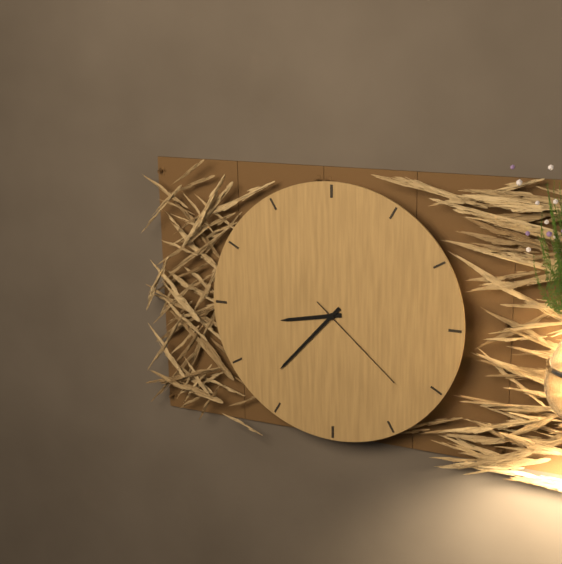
8:37:22
